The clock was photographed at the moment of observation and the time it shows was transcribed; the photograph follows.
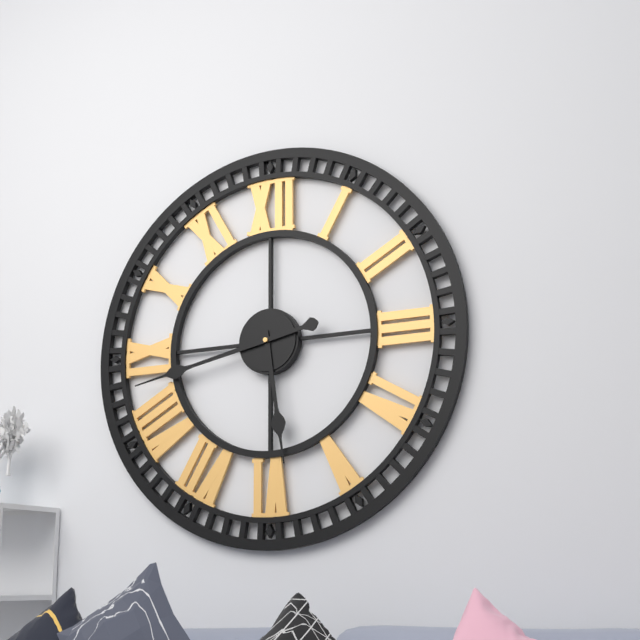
5:43
